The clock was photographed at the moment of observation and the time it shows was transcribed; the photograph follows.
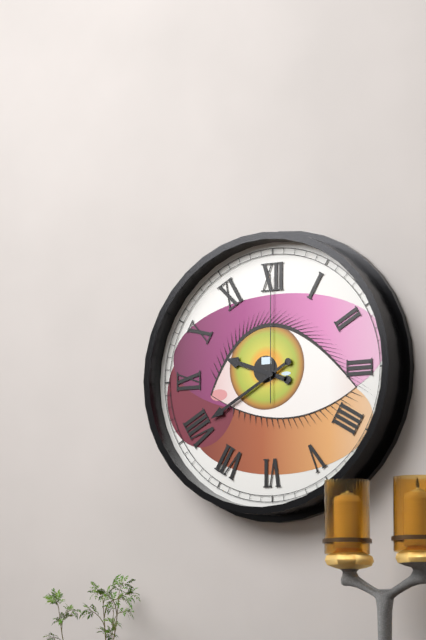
9:40:00
